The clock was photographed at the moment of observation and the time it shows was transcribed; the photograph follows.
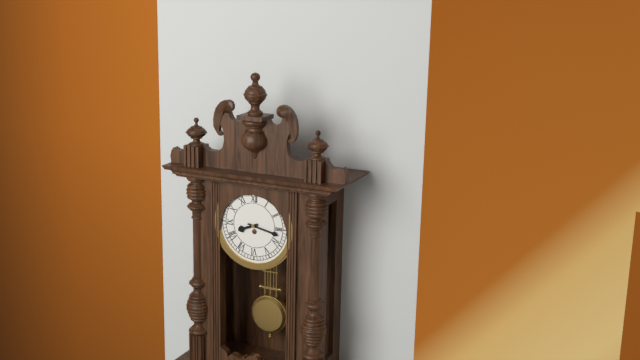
8:17
